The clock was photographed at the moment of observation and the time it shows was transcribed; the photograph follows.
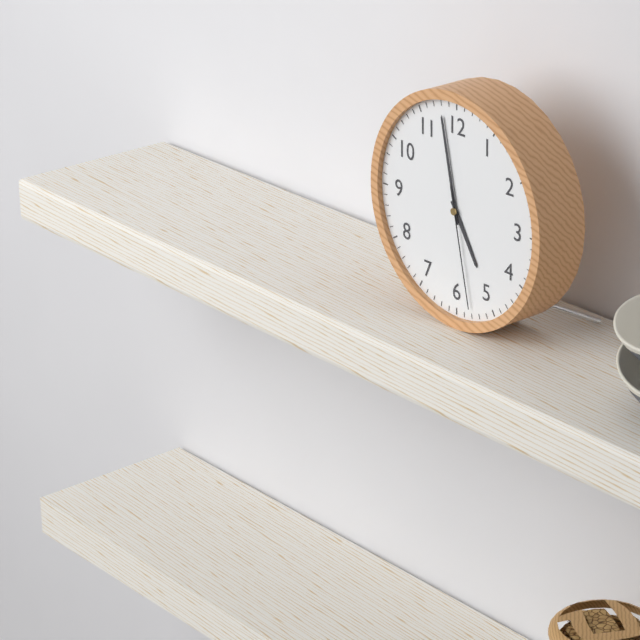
4:58:28
